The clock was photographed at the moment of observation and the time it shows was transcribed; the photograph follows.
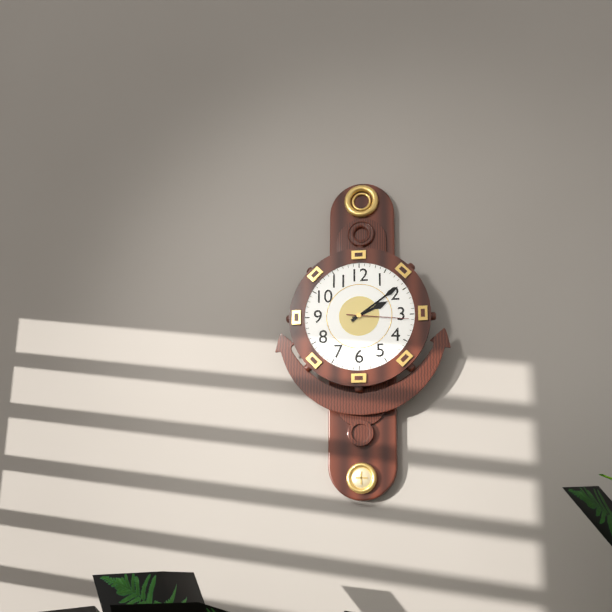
2:09:16
